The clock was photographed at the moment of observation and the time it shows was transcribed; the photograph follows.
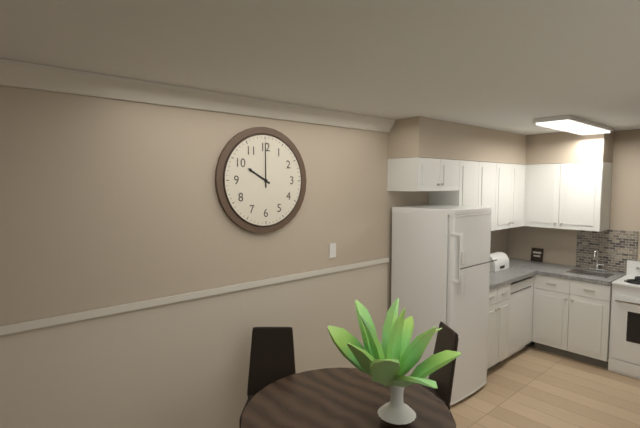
10:00
